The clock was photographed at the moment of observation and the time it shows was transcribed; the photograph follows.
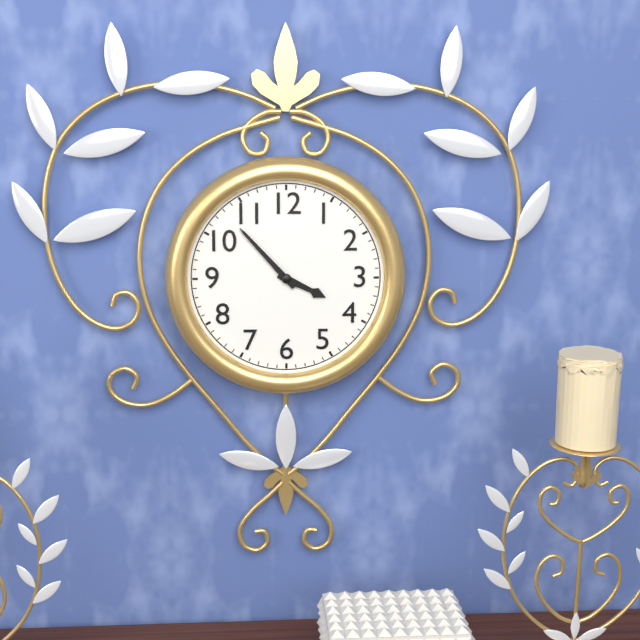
3:53
